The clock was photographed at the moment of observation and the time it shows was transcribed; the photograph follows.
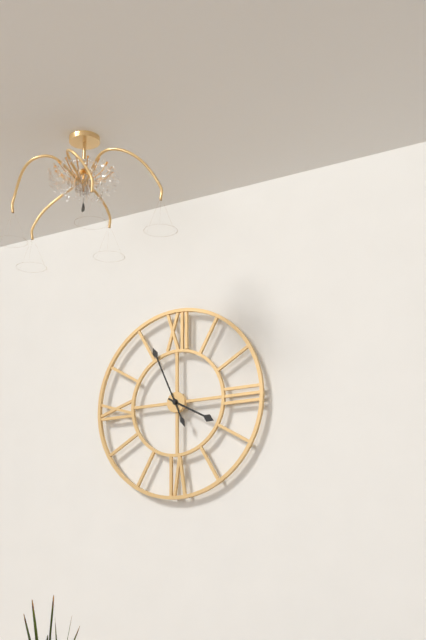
3:56
